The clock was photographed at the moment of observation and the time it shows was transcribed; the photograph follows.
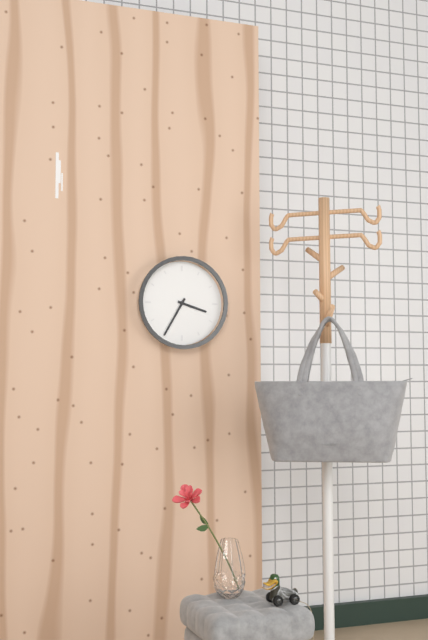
3:35
